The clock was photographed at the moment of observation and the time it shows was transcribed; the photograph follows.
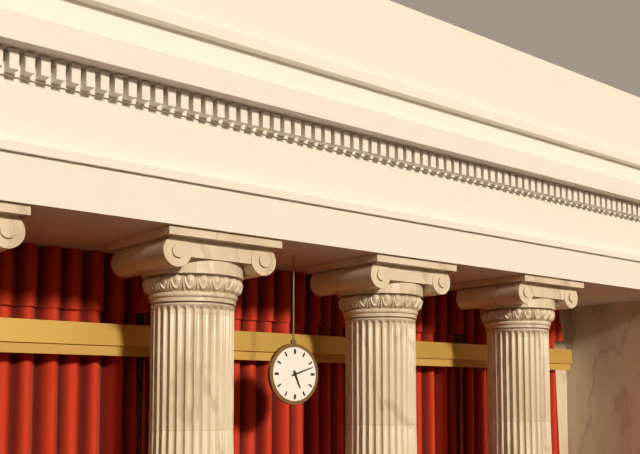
5:12
